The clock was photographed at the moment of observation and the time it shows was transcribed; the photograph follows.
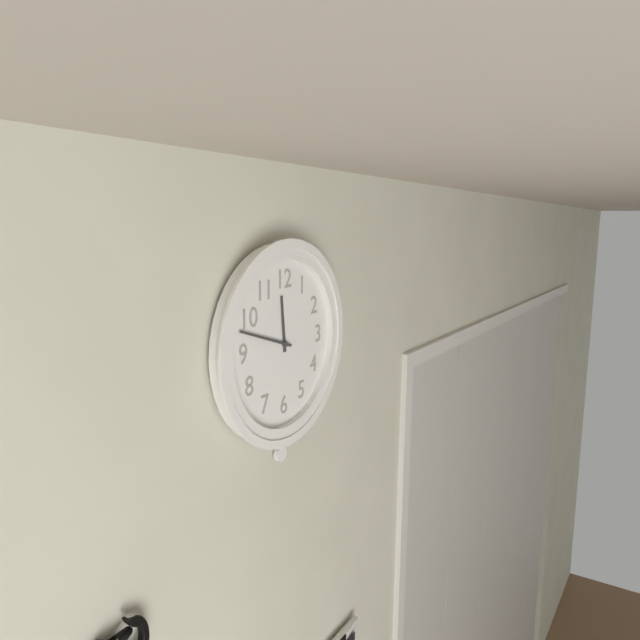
11:48
